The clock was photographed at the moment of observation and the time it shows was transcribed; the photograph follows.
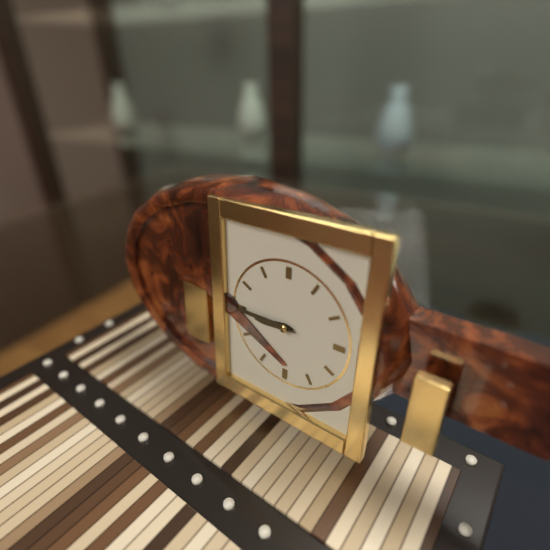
8:45
